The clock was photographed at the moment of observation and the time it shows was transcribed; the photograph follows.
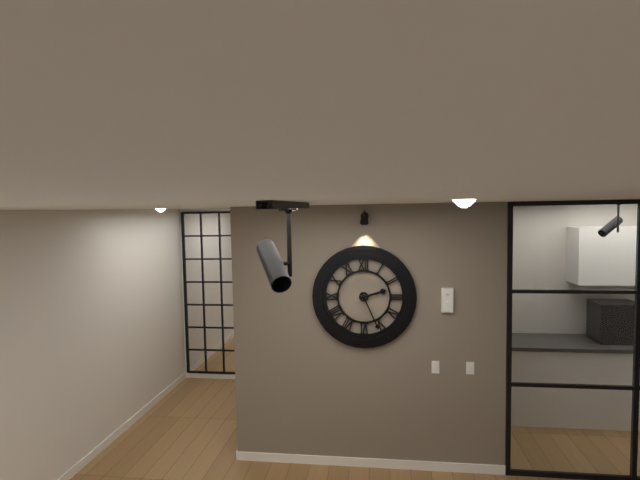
2:26
